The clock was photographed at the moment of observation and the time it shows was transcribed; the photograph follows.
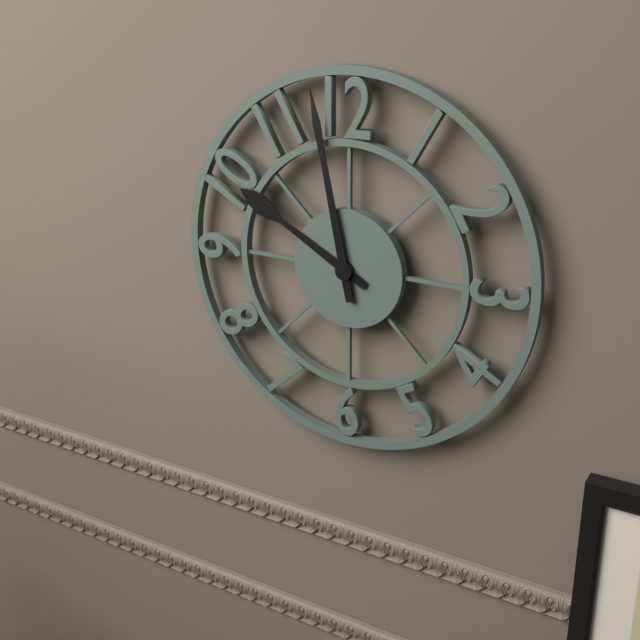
9:58
